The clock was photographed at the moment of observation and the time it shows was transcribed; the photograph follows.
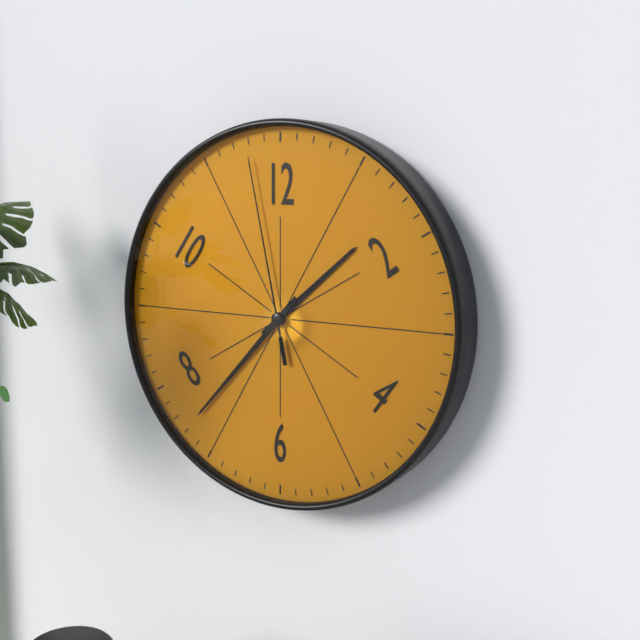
1:37:58
